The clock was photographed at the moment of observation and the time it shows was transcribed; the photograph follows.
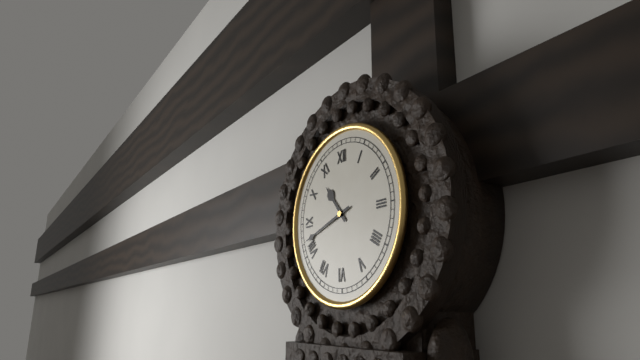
10:42
